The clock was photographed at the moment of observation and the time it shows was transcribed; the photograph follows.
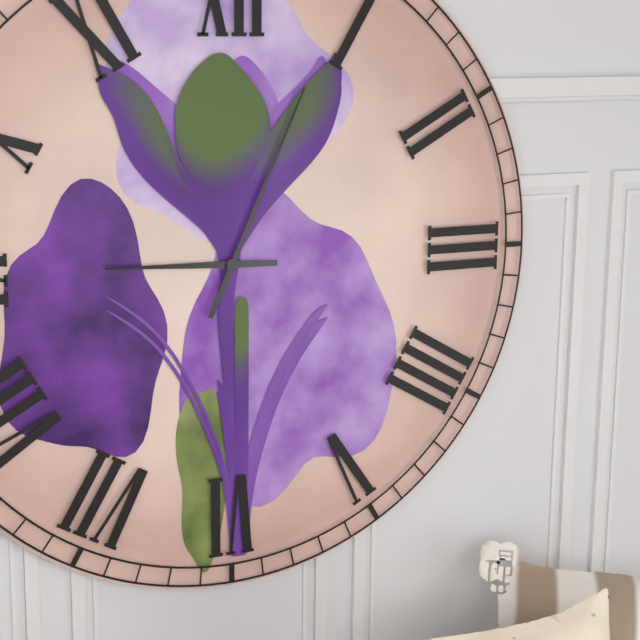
9:04
